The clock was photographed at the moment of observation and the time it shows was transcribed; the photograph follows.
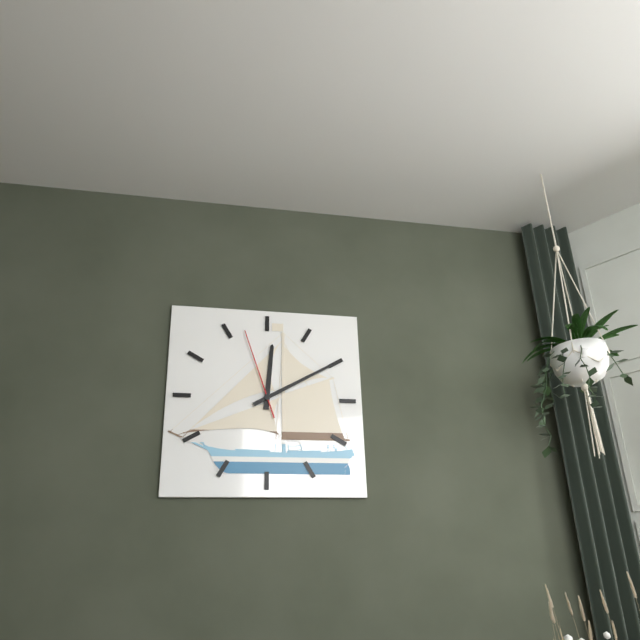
12:10:57
